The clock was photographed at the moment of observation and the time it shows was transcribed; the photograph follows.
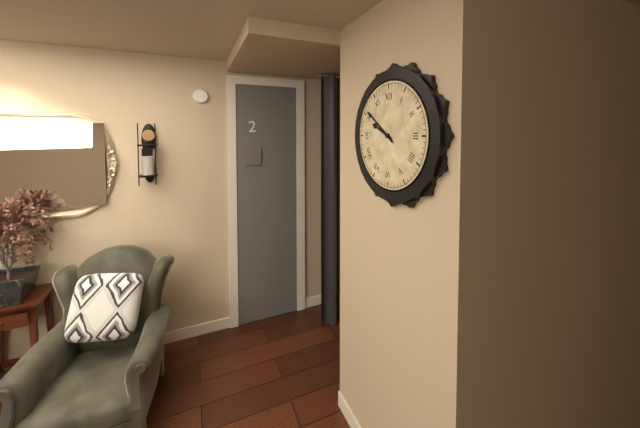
9:51
